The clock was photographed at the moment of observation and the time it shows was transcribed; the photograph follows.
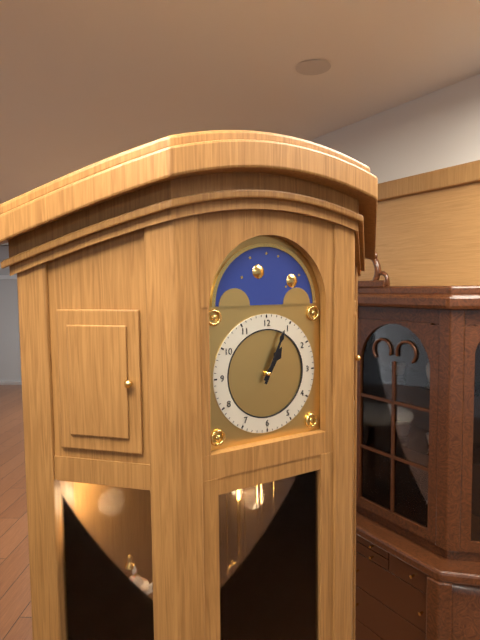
1:04
